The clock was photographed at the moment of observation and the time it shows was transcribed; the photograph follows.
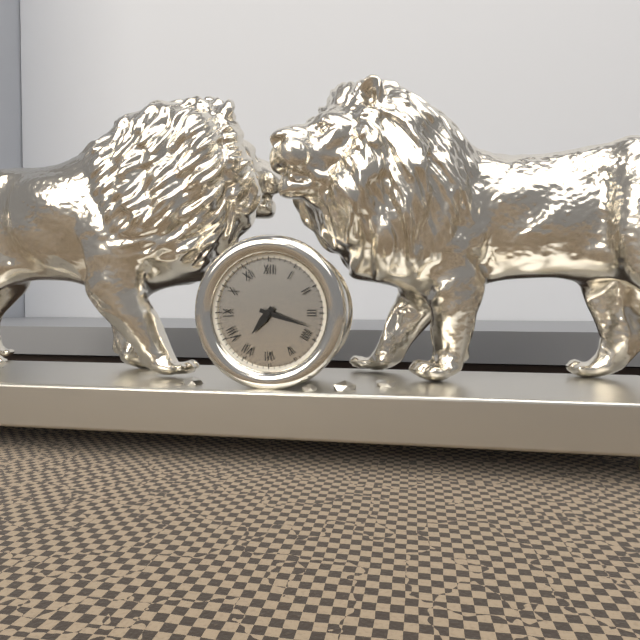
7:18
